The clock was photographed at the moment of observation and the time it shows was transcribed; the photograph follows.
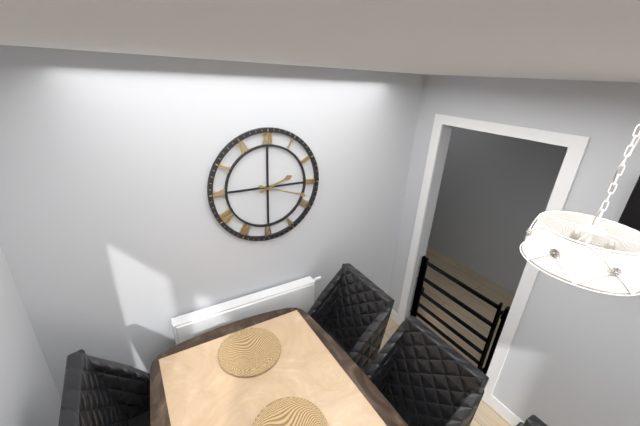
2:18
